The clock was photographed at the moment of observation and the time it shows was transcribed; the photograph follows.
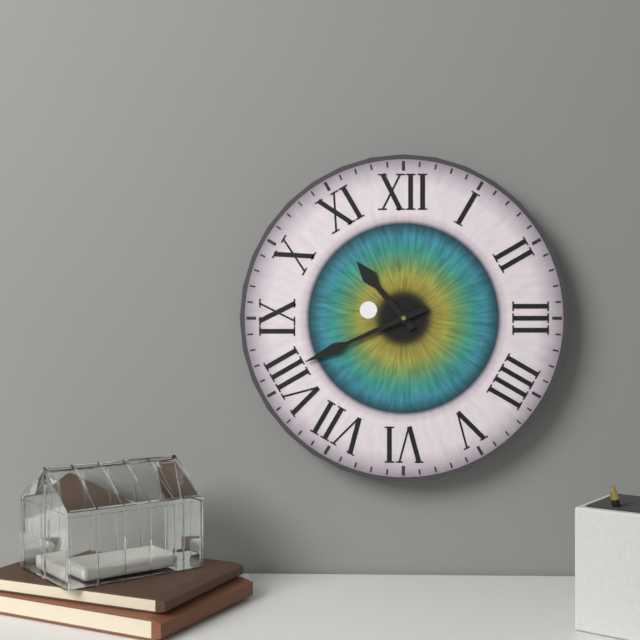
10:41
